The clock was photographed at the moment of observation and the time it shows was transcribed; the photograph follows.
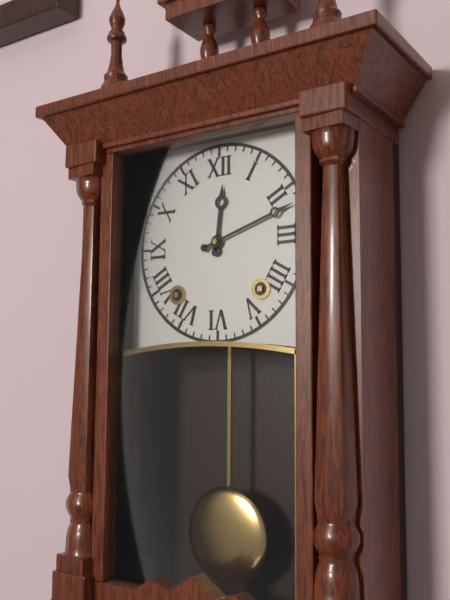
12:12
